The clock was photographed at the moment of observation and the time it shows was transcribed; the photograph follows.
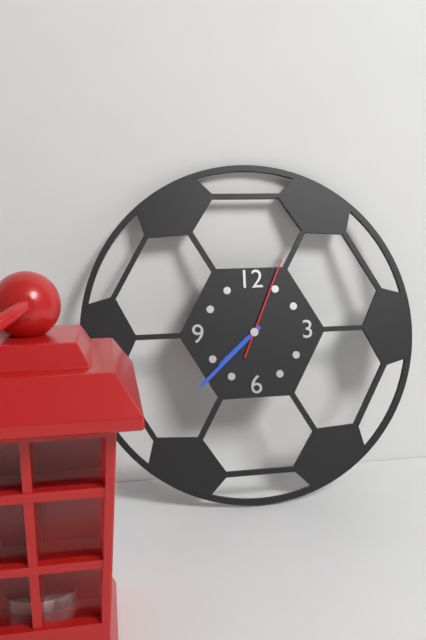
7:38:04
